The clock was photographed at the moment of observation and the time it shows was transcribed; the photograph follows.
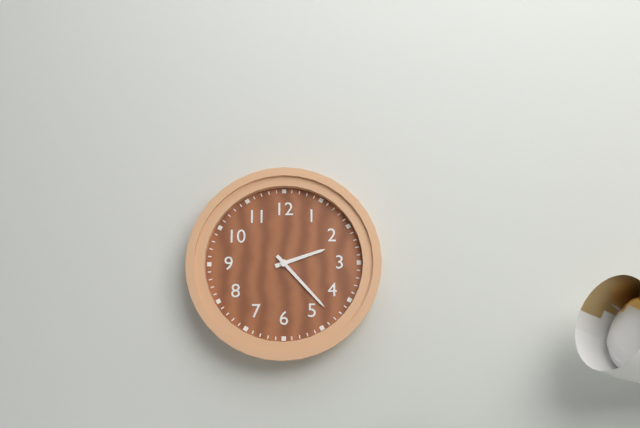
2:23
